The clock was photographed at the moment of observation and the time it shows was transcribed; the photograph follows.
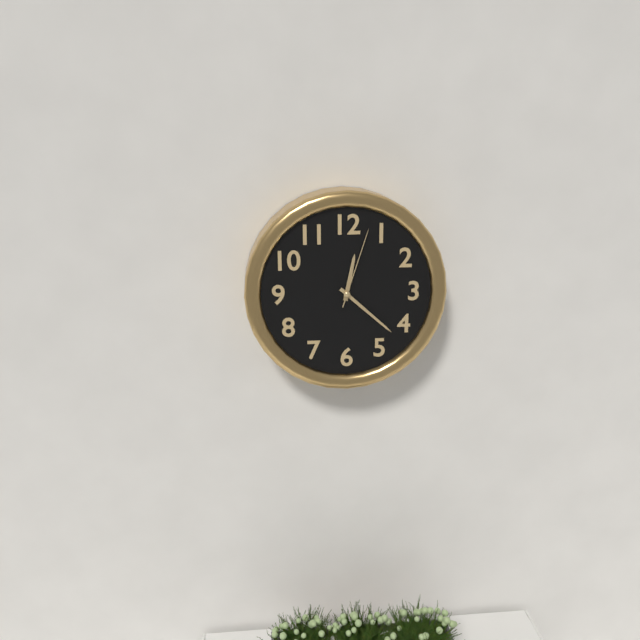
12:22:03
